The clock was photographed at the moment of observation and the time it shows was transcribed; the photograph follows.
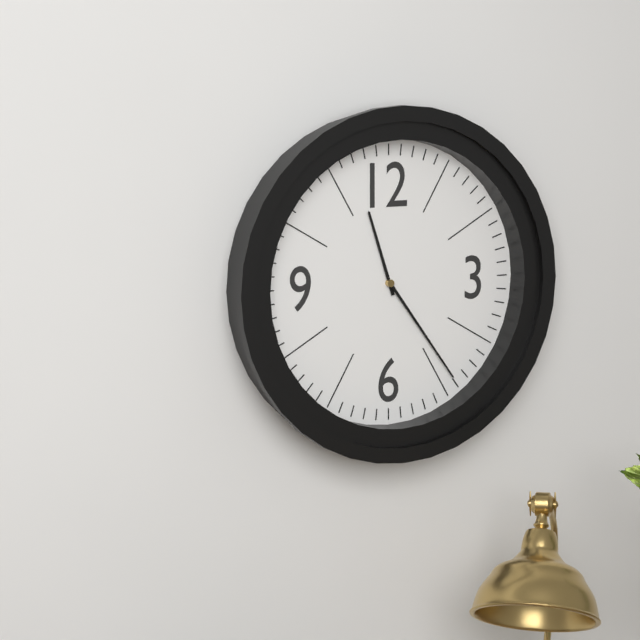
11:24
